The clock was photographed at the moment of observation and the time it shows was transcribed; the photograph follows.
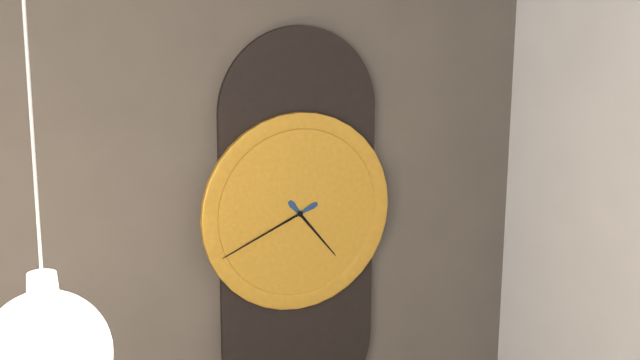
4:41
